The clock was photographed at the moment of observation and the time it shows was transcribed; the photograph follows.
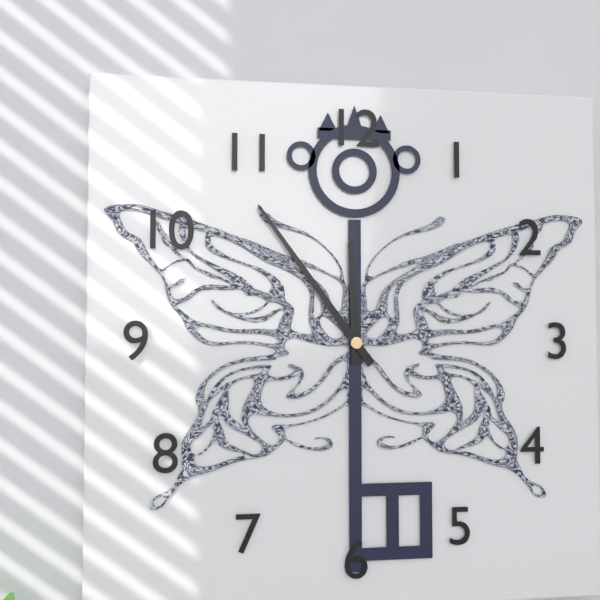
11:54
